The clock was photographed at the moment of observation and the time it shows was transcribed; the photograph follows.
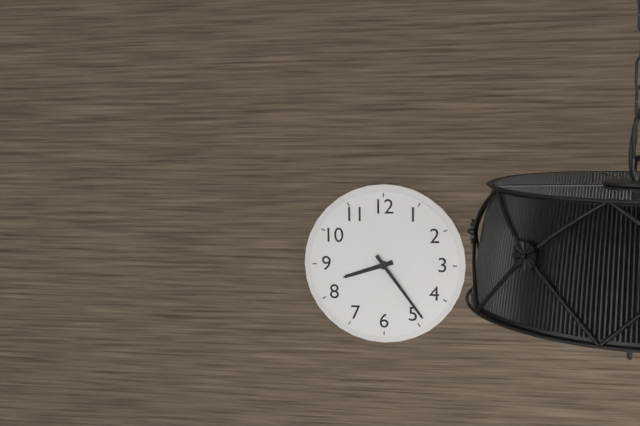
8:24
